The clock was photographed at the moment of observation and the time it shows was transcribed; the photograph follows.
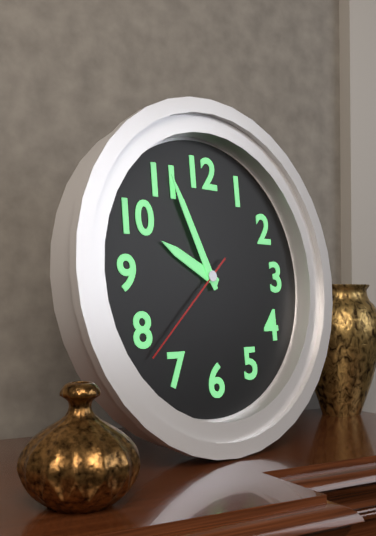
9:56:38
